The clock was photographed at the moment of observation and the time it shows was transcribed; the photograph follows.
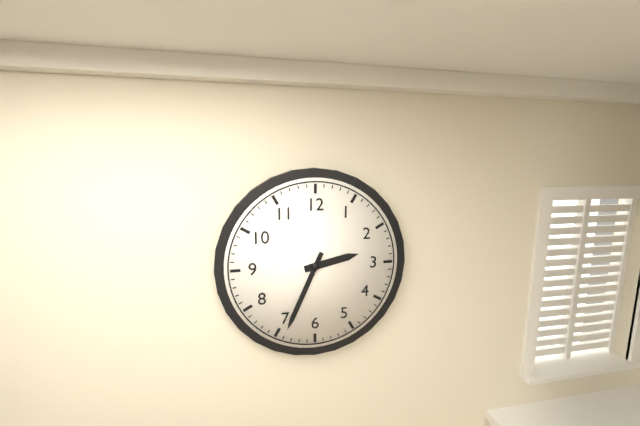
2:34
